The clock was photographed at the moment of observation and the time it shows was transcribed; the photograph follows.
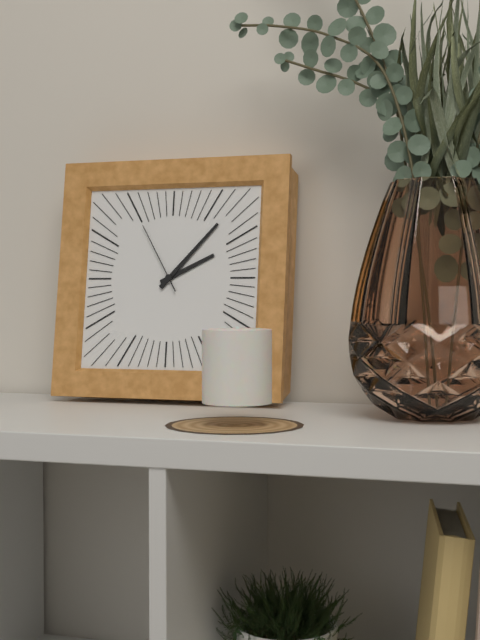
2:07:55
